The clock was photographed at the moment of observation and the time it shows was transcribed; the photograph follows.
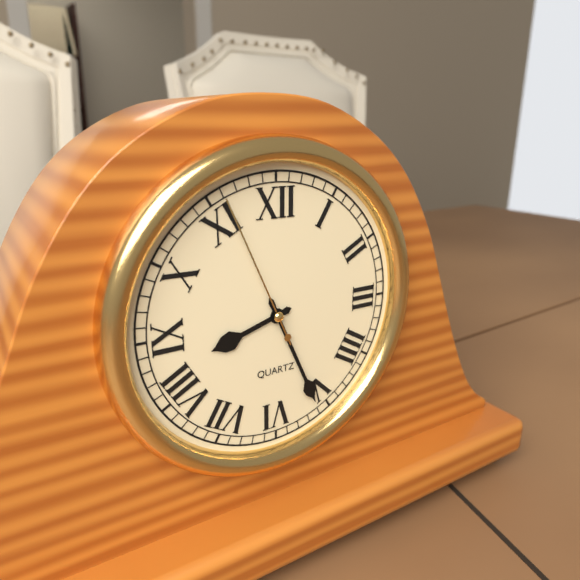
8:26:56
